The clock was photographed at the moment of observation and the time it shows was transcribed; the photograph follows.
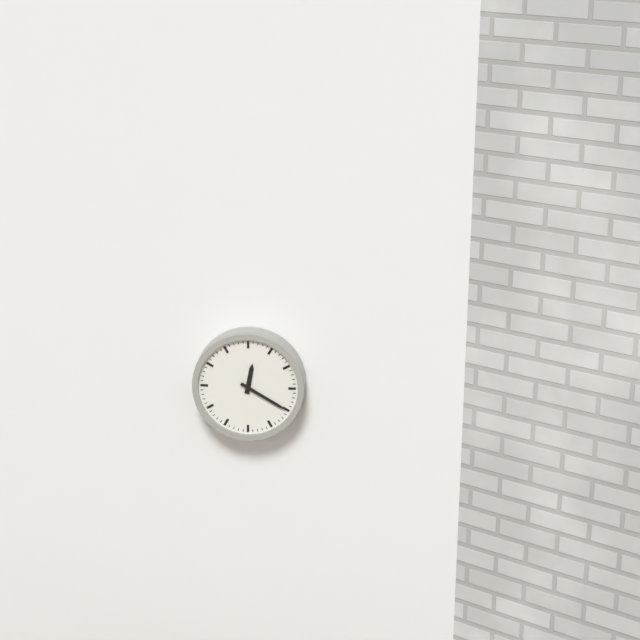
12:20
